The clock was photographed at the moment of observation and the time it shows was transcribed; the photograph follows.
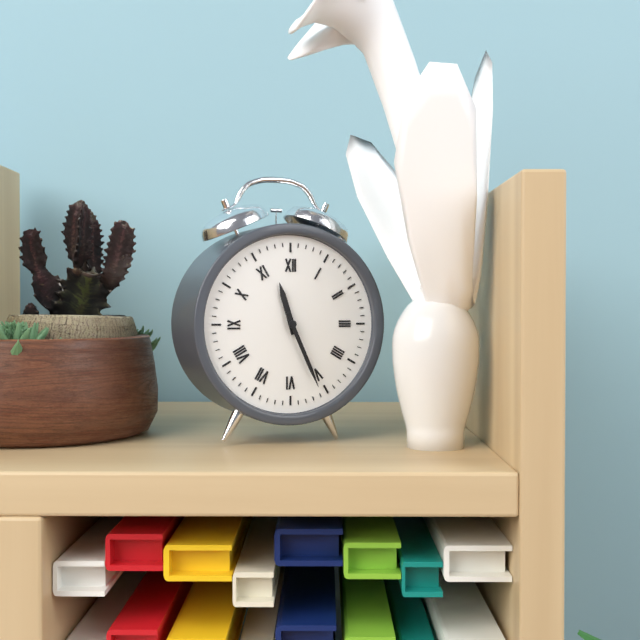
11:26
